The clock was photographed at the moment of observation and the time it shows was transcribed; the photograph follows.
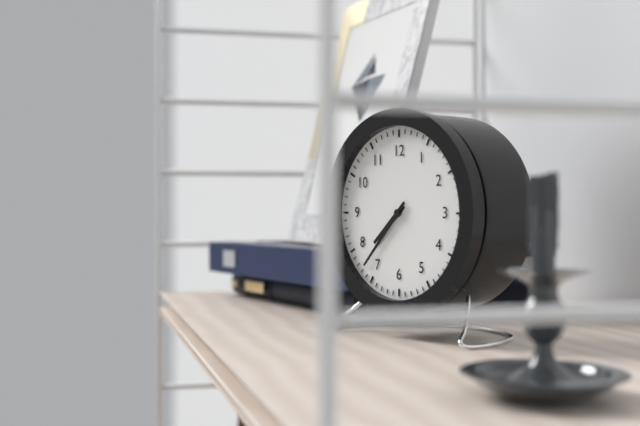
7:37
